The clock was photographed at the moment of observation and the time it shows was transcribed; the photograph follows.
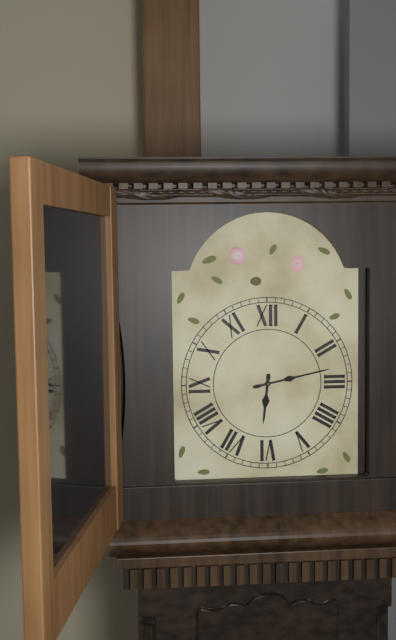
6:13
